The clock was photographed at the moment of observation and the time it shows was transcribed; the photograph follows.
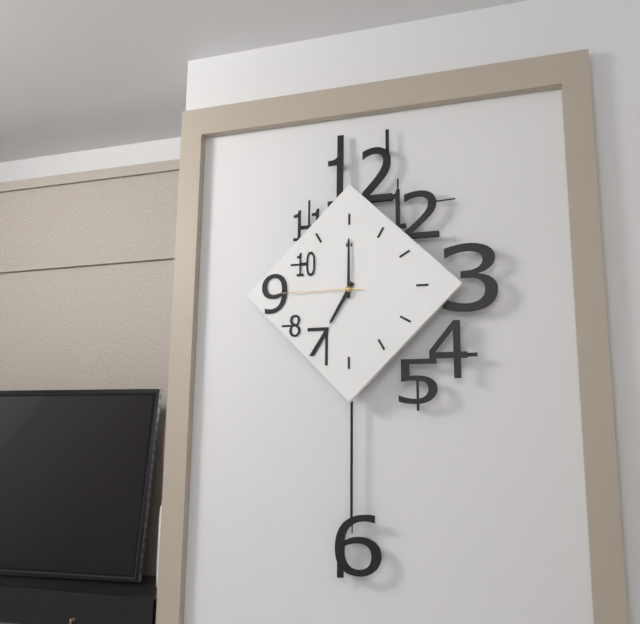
7:00:45
